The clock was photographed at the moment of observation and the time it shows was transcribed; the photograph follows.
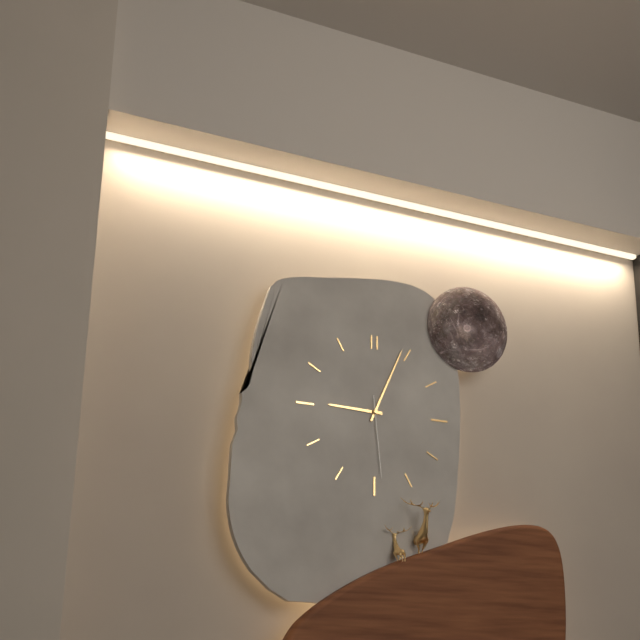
9:04:29
